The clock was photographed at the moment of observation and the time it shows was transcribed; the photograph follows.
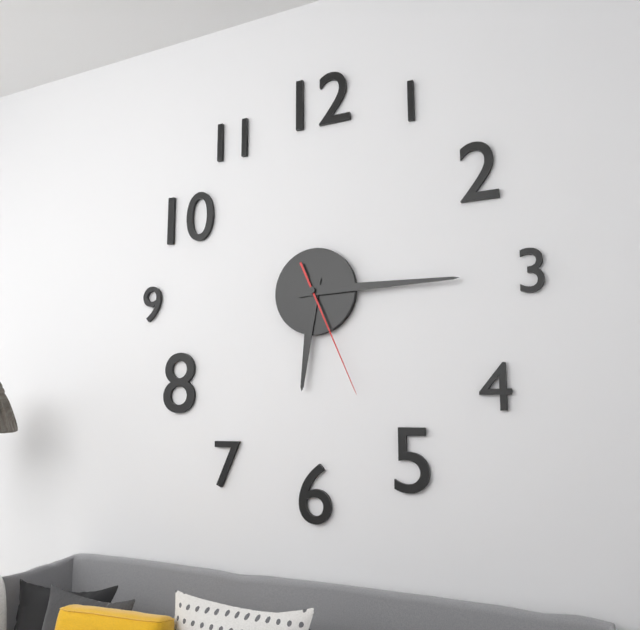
6:15:26
